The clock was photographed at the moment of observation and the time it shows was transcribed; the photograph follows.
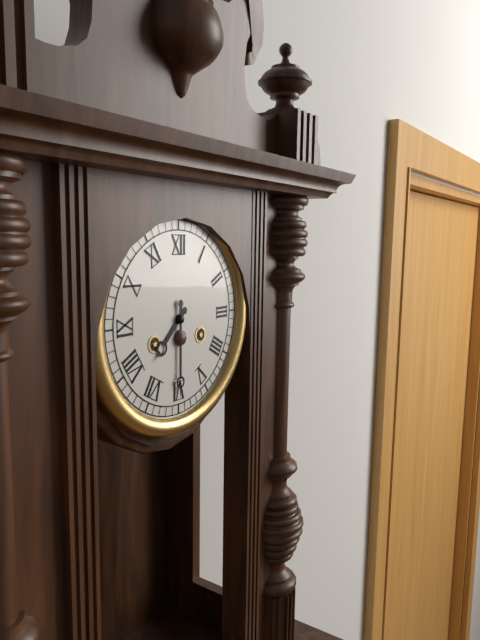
7:30
